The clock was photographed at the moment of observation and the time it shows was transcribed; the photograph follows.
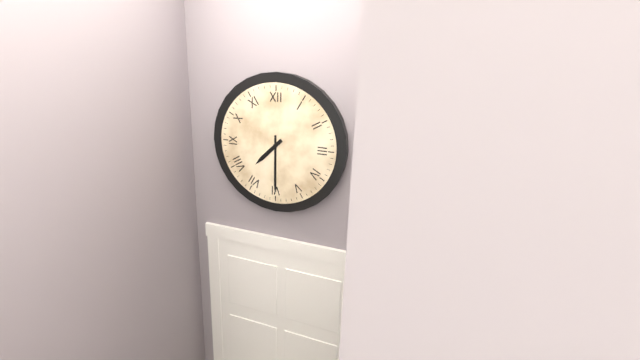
7:30
